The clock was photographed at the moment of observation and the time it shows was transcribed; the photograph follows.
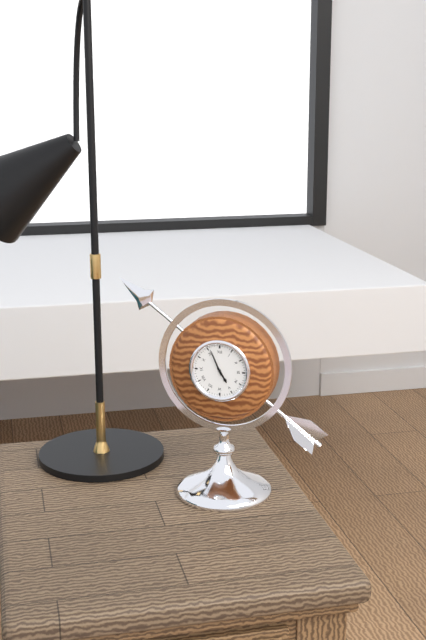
4:56
